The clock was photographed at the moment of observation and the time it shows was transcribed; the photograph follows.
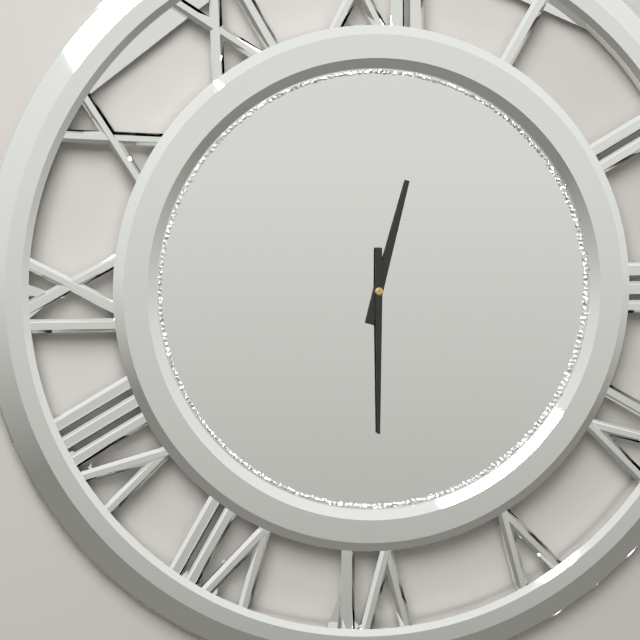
12:30
